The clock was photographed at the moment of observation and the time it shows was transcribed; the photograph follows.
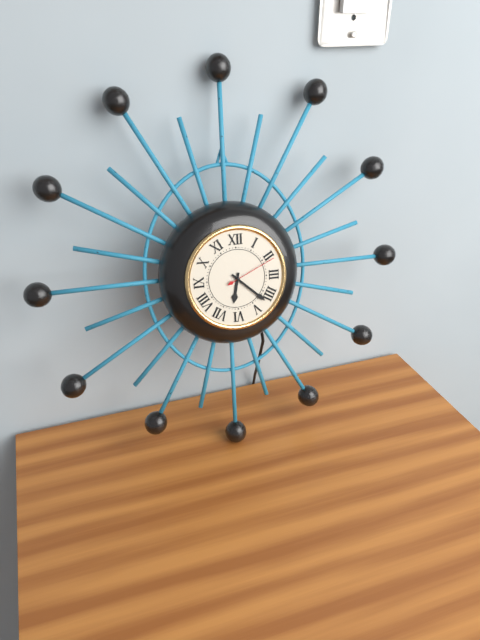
6:22:11
